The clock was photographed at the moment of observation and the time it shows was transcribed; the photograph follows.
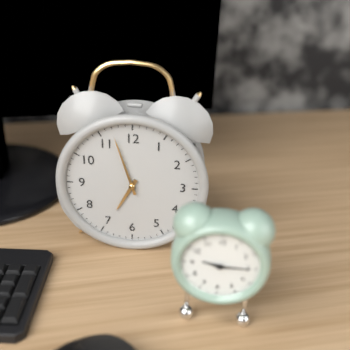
6:57
